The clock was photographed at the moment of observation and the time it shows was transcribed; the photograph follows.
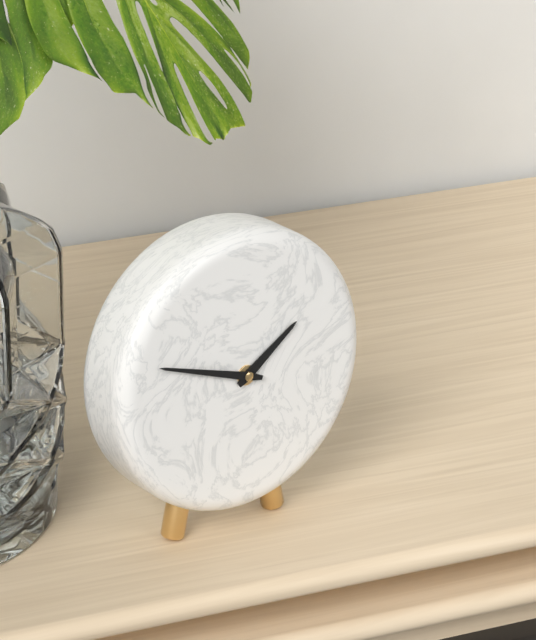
1:48
